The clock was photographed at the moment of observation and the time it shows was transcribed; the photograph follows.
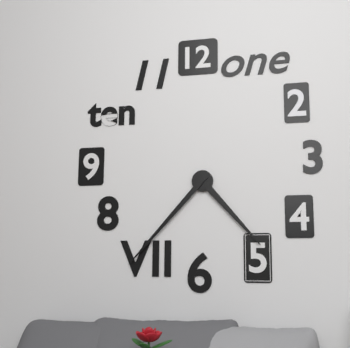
4:37
